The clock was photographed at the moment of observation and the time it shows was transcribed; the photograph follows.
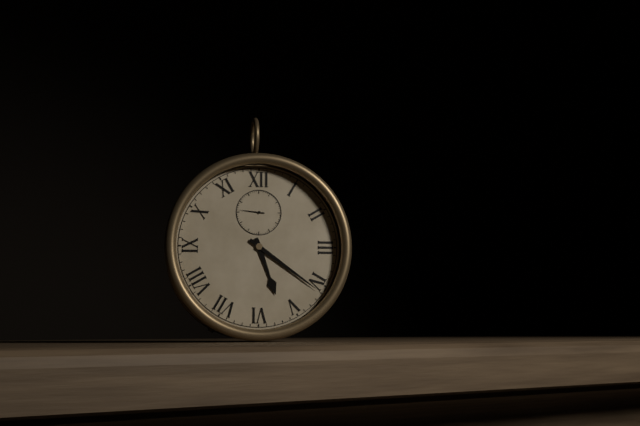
5:21
